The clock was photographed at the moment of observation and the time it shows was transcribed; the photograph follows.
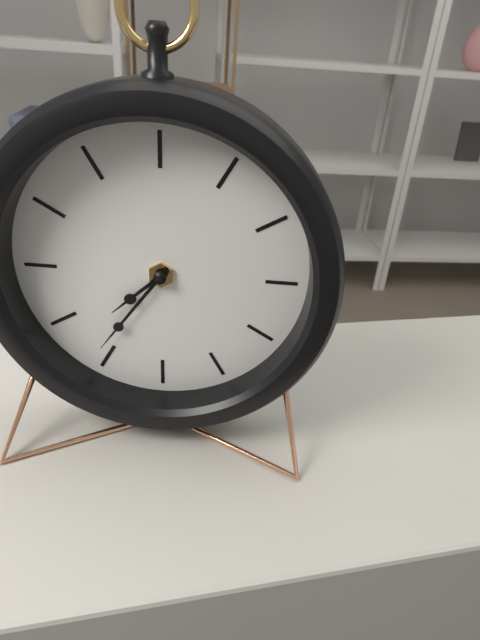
7:36
